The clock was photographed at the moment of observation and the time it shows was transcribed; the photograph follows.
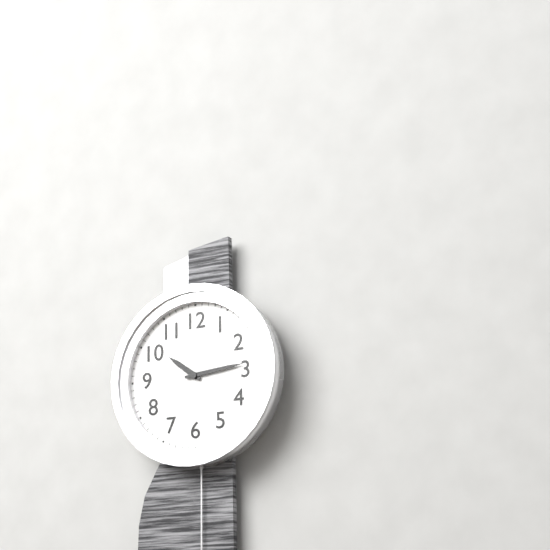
10:14
